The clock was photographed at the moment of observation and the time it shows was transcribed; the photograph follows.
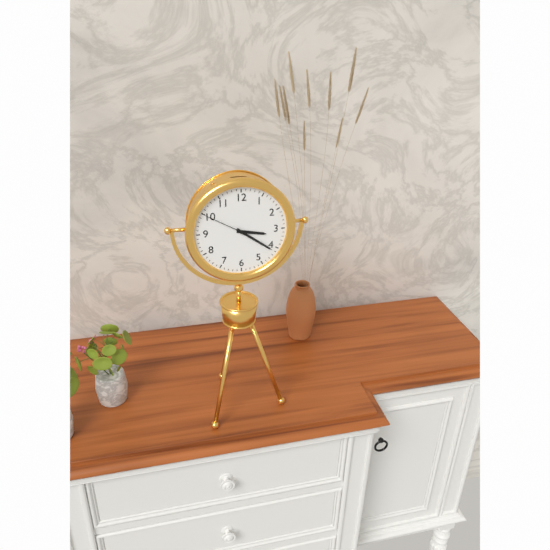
3:21:50
